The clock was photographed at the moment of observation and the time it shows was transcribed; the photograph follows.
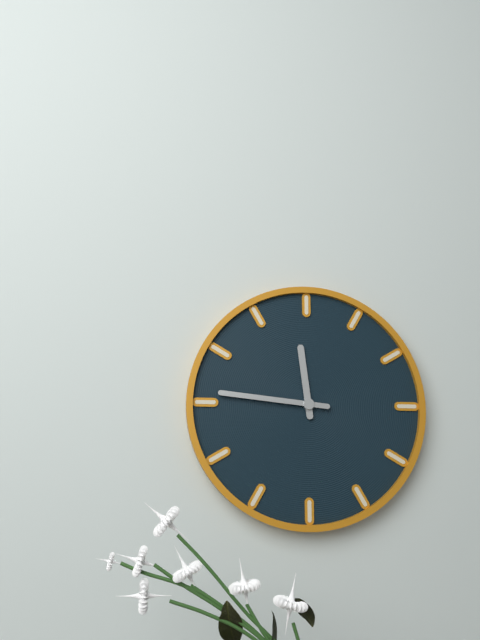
11:46
